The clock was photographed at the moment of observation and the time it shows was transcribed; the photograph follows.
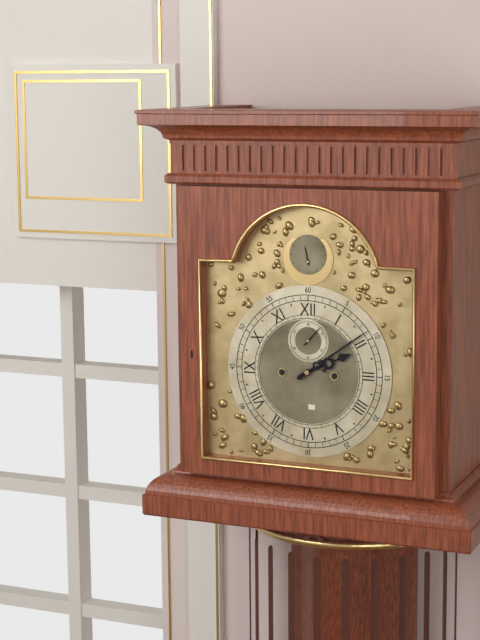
2:09
